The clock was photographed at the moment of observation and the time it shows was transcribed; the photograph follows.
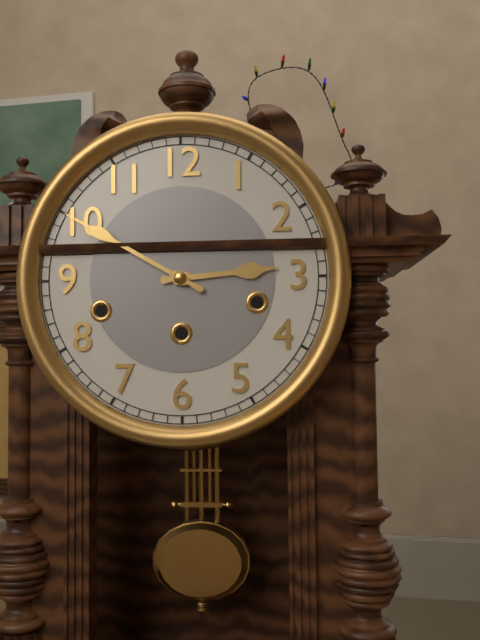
2:50
